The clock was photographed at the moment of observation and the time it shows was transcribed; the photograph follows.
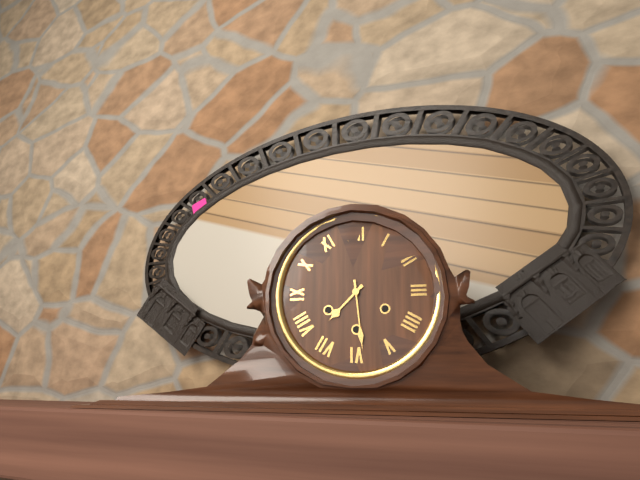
7:29
